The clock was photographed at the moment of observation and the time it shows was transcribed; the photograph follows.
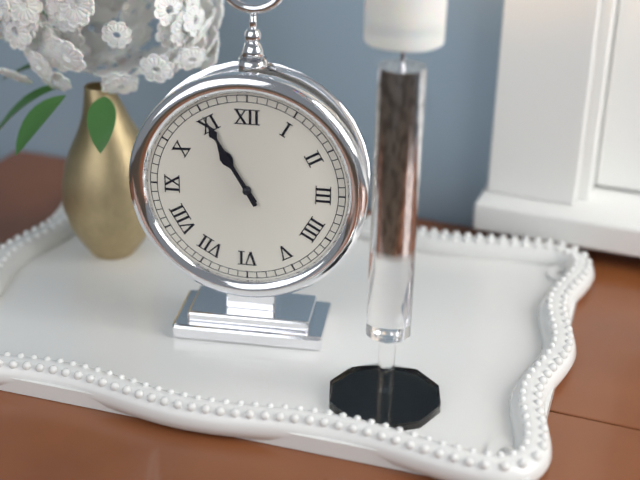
10:55
